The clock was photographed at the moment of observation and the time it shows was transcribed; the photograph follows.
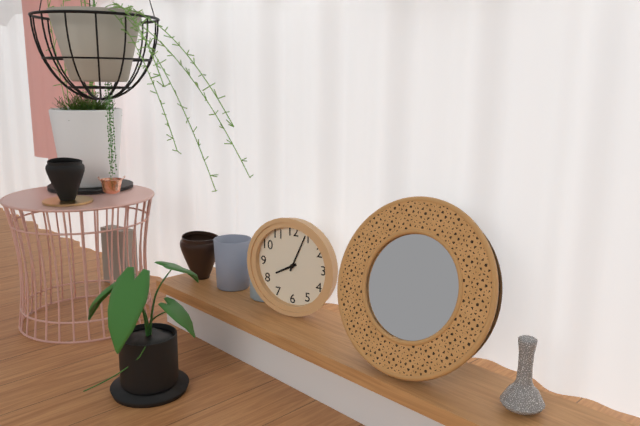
8:04
